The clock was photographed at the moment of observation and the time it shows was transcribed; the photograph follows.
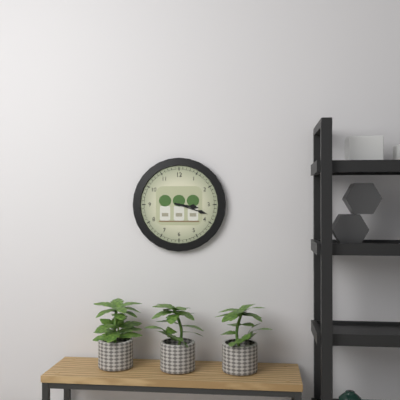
3:18
